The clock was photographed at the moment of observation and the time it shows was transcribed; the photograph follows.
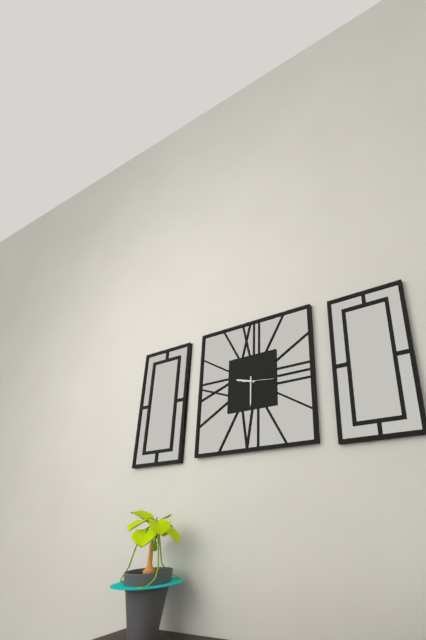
9:30
